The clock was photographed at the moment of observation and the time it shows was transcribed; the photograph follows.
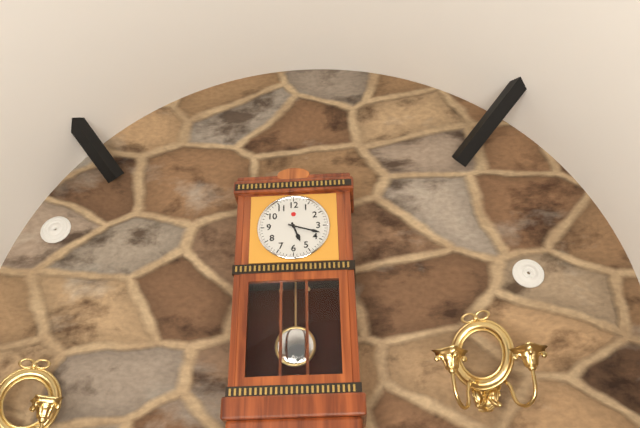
5:18
